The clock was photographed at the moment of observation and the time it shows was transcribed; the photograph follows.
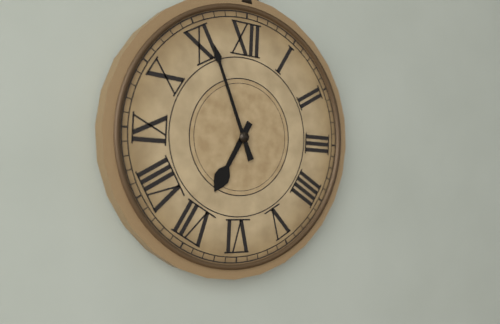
6:56
